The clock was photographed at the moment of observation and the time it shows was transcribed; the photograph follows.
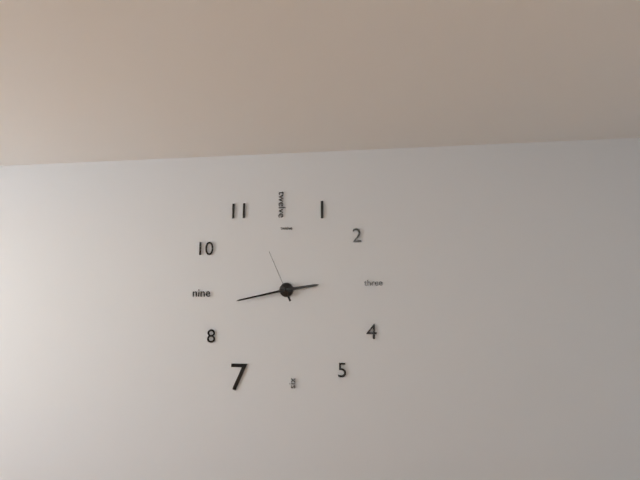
2:43:56
